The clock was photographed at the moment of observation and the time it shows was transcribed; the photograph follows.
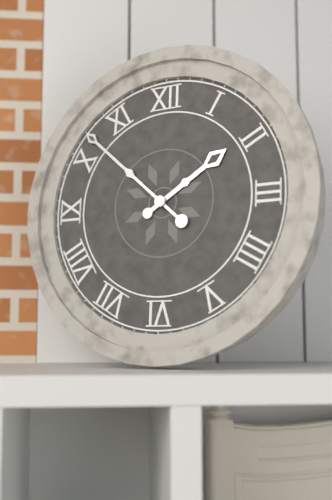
1:52
